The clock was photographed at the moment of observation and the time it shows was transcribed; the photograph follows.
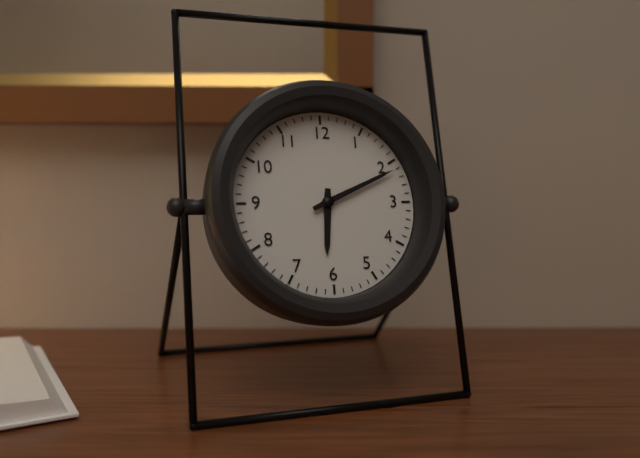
6:11
